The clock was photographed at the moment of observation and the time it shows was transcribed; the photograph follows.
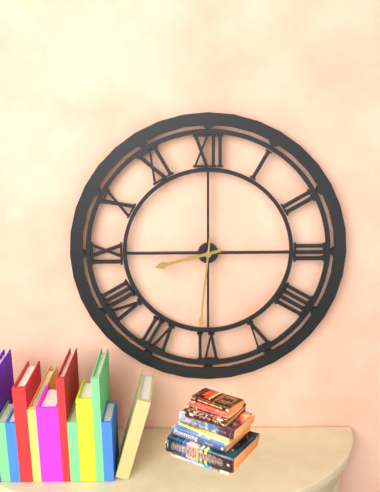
8:31
